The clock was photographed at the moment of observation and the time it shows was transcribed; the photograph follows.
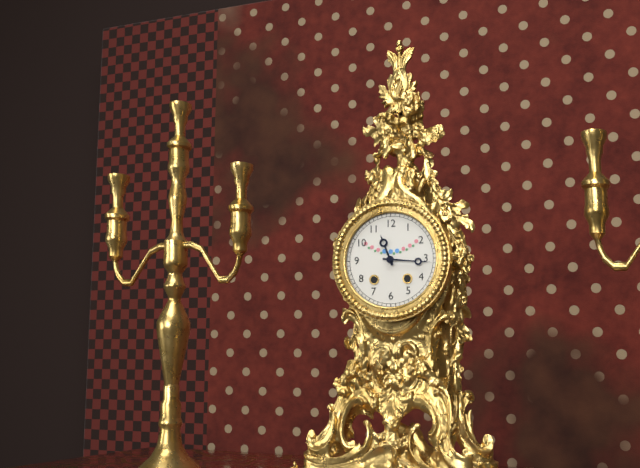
11:16
